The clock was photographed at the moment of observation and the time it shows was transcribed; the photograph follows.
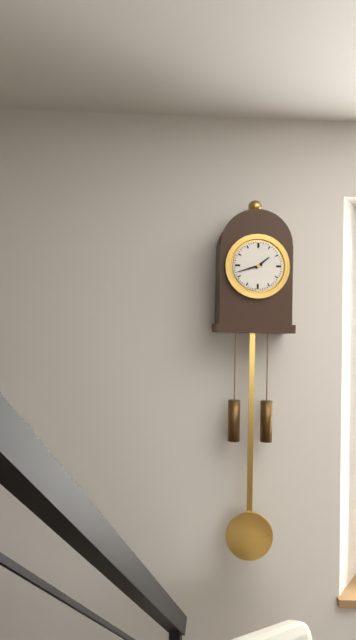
1:42
